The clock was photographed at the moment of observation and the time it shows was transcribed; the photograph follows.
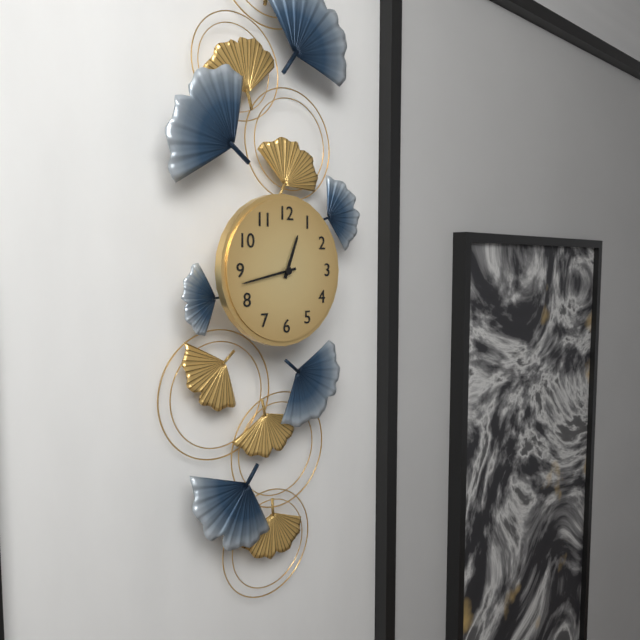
12:43
